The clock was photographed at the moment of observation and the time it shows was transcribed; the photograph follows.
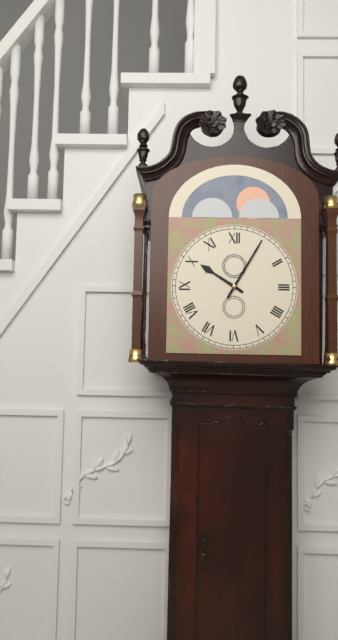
10:05
